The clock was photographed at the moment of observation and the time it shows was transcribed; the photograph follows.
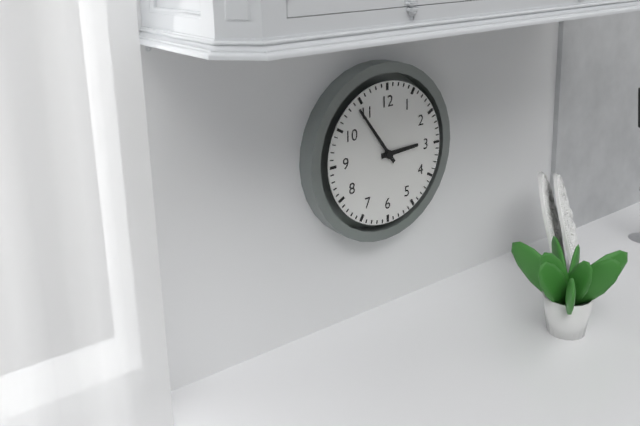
2:54
